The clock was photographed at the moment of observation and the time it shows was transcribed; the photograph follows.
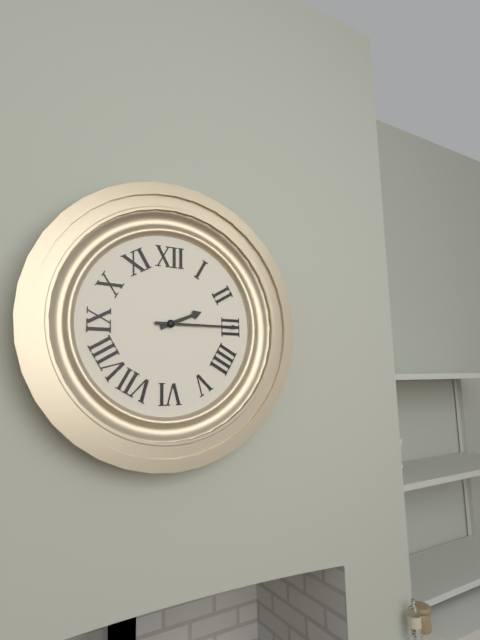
2:15
